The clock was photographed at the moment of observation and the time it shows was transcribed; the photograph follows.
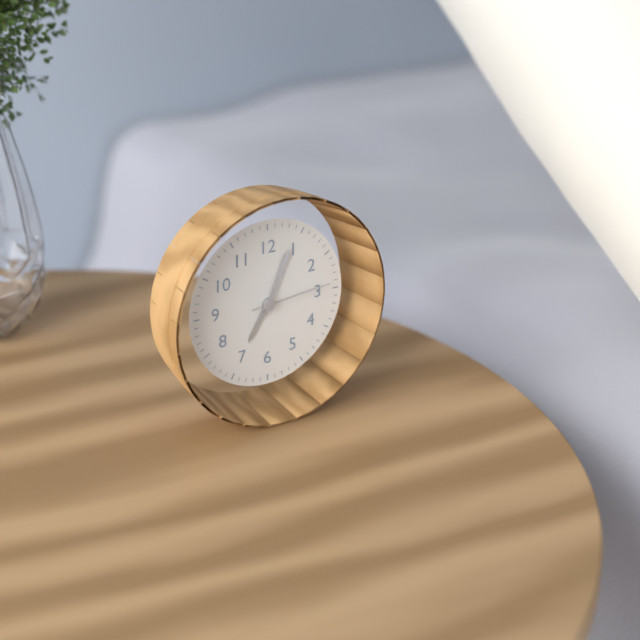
7:04:14
